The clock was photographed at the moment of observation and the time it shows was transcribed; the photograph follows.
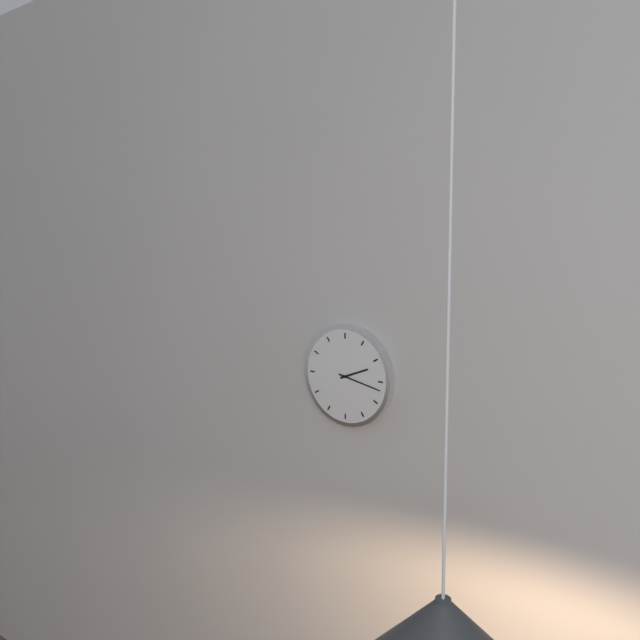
2:17
